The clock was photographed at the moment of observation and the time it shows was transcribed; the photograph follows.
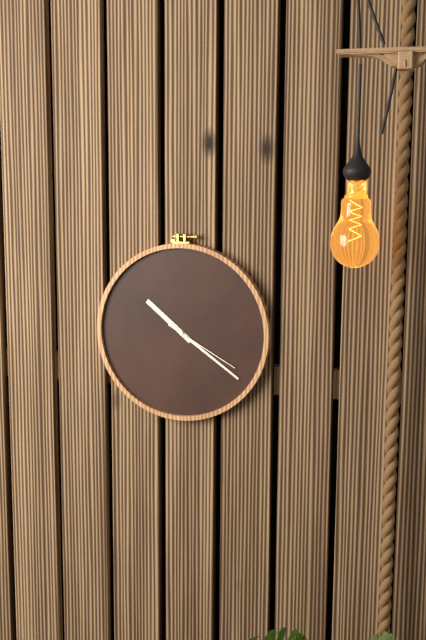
10:21:20
